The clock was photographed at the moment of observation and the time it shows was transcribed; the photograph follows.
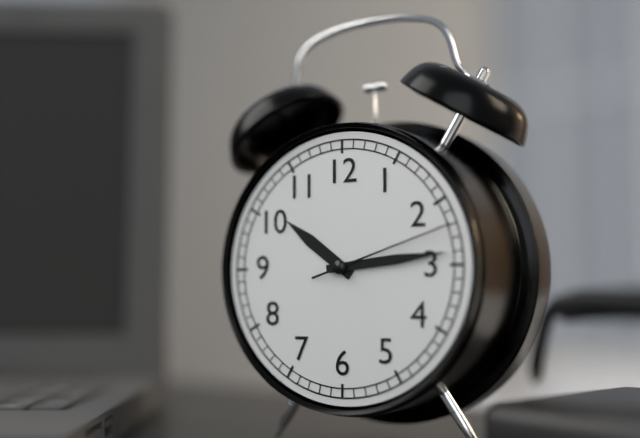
10:14:12
